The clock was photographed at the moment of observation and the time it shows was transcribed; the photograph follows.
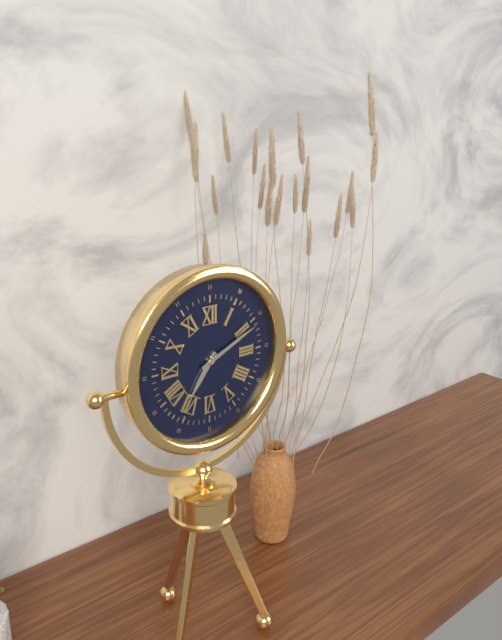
7:11
